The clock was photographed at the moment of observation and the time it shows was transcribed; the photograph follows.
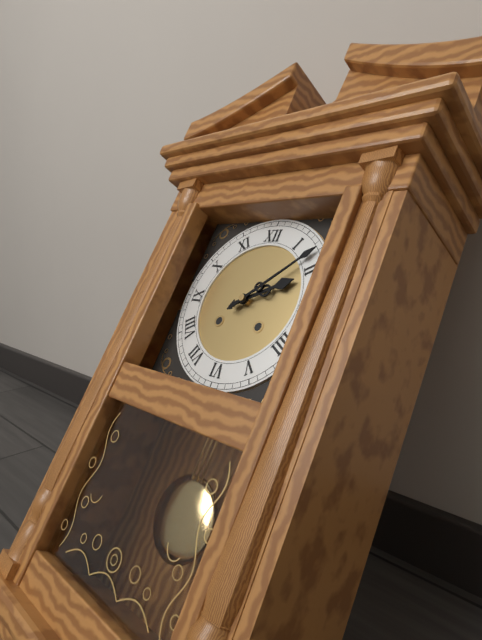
2:08
